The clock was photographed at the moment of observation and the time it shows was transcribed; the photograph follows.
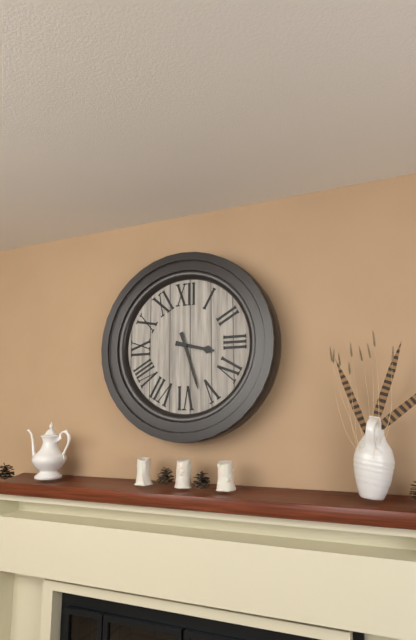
3:27
